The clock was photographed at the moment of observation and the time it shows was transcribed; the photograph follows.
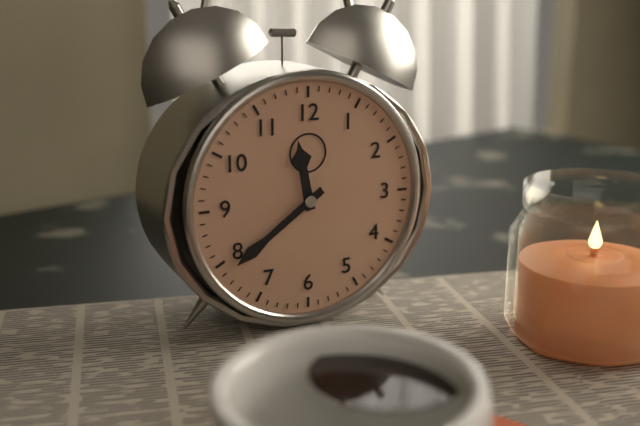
11:39
